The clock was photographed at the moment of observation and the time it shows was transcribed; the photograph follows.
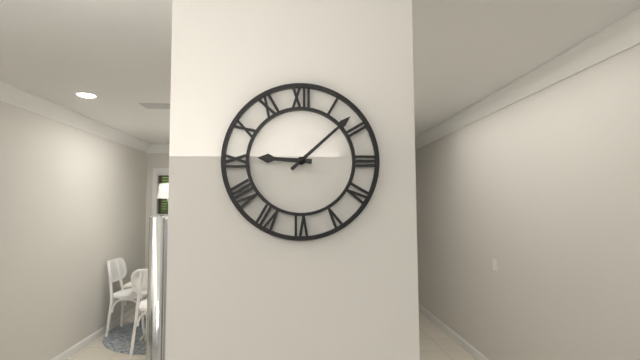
9:08
